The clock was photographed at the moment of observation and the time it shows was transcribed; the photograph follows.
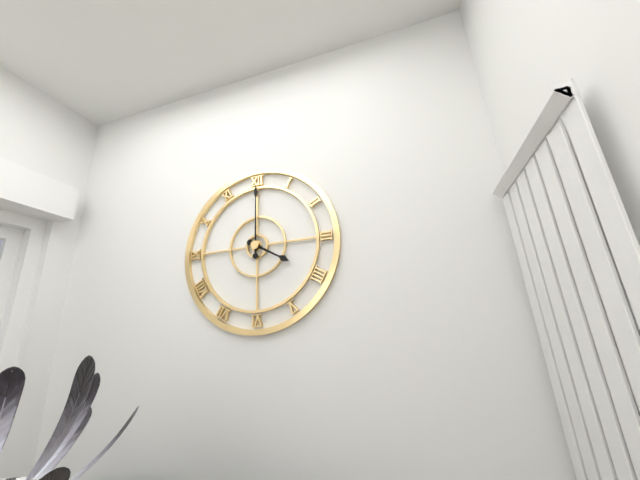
4:00
